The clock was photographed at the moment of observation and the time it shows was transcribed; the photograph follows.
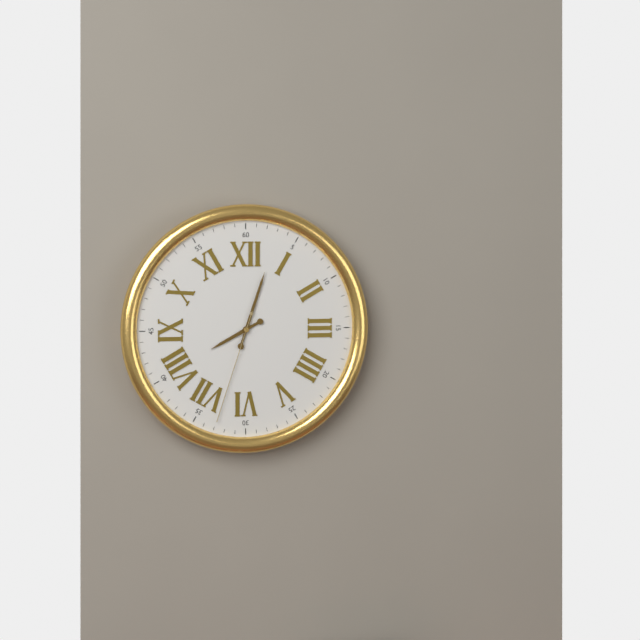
8:03:33
